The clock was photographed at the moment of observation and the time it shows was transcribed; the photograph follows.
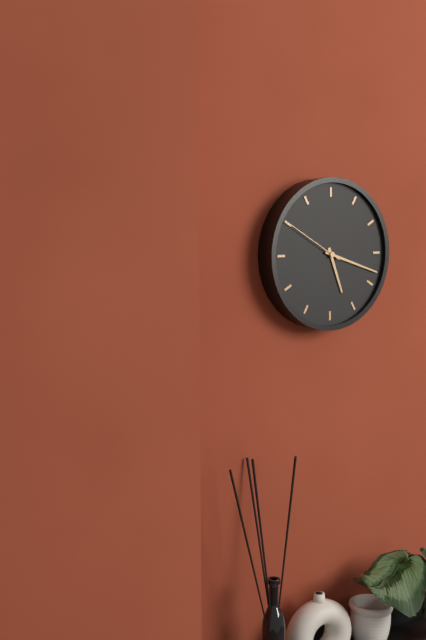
5:18:50
